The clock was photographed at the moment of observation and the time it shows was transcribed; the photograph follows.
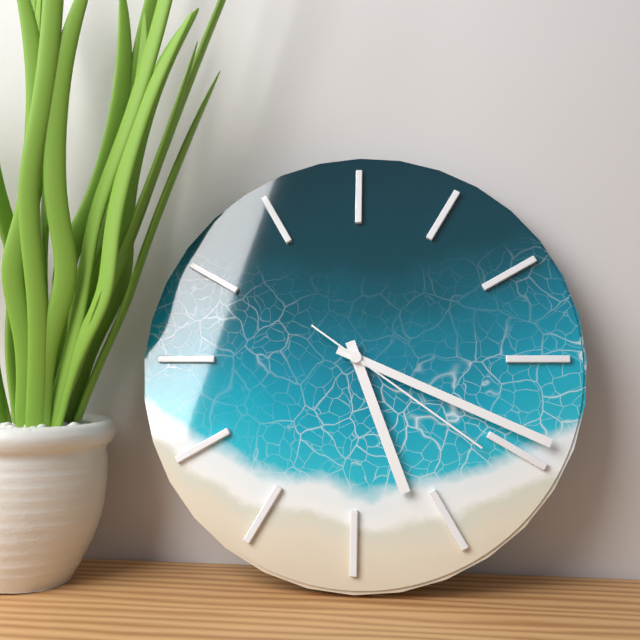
5:19:21
